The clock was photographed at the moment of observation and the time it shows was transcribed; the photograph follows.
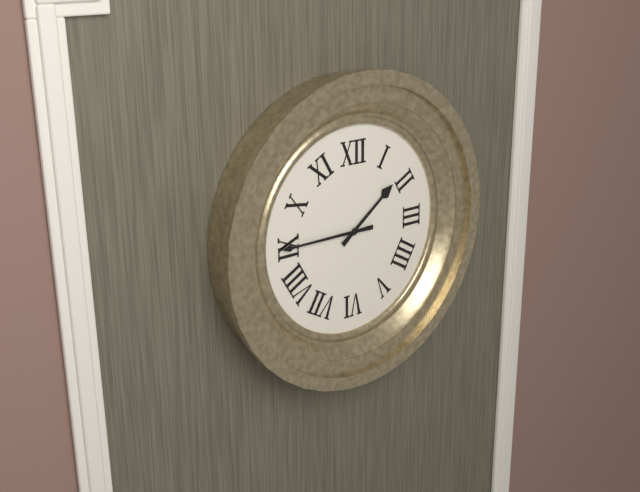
1:45
